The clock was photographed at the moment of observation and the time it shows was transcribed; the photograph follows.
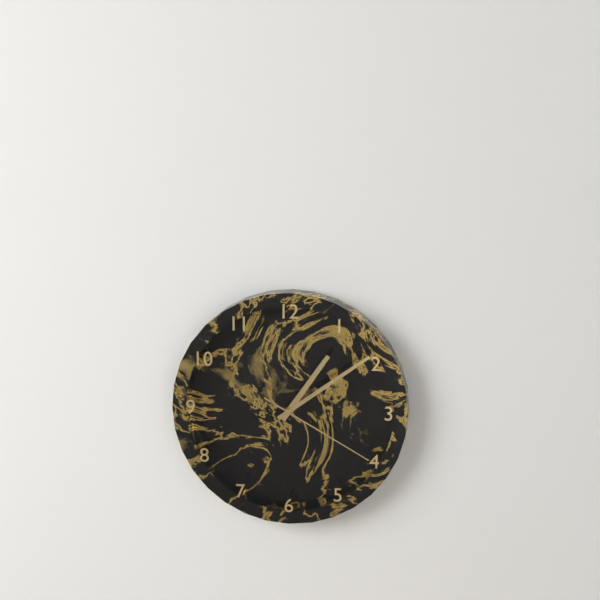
1:09:20
